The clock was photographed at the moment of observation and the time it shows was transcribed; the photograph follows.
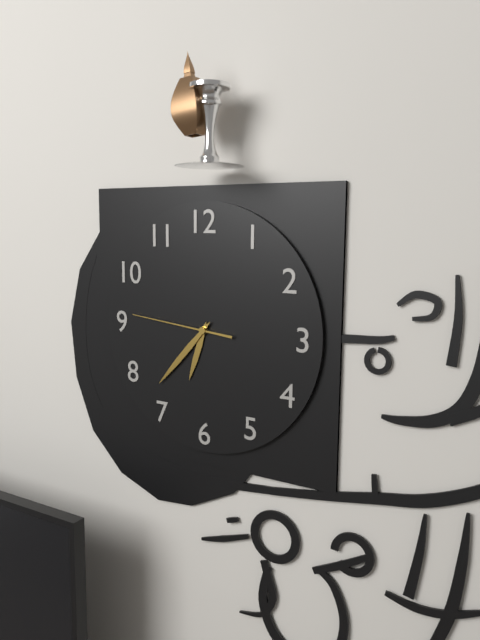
6:37:46
